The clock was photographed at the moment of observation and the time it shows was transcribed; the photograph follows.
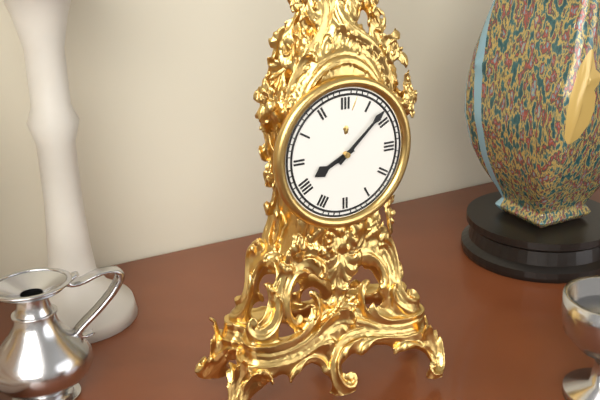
8:08
